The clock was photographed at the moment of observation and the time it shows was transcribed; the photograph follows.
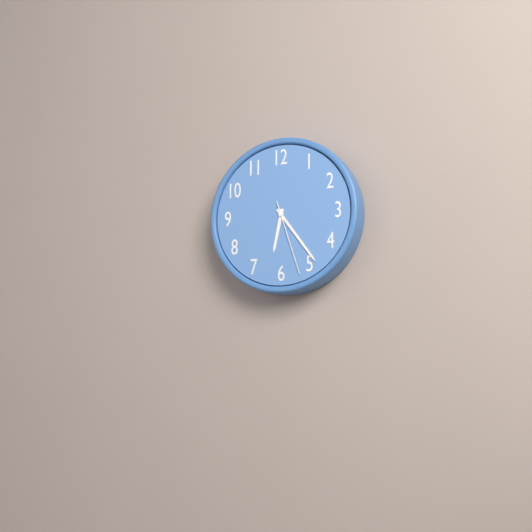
6:24:27
